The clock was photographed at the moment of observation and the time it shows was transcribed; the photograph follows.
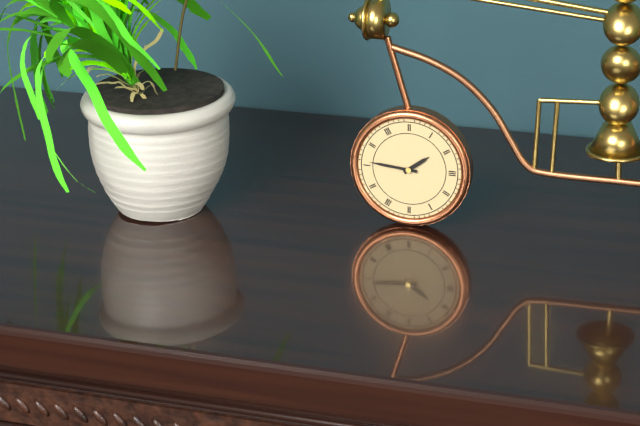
1:46
